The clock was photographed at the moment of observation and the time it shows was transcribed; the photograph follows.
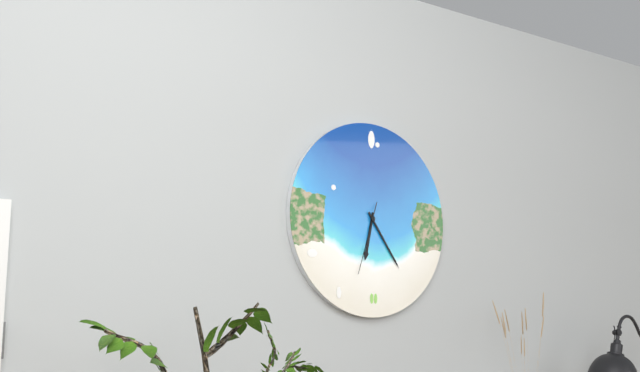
6:24:33
